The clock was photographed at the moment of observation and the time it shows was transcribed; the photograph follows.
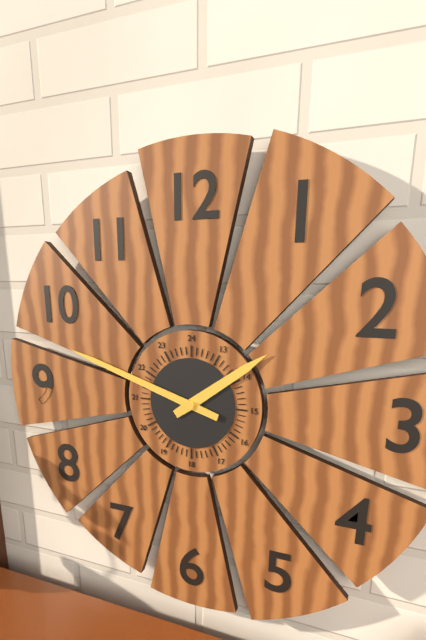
1:48
